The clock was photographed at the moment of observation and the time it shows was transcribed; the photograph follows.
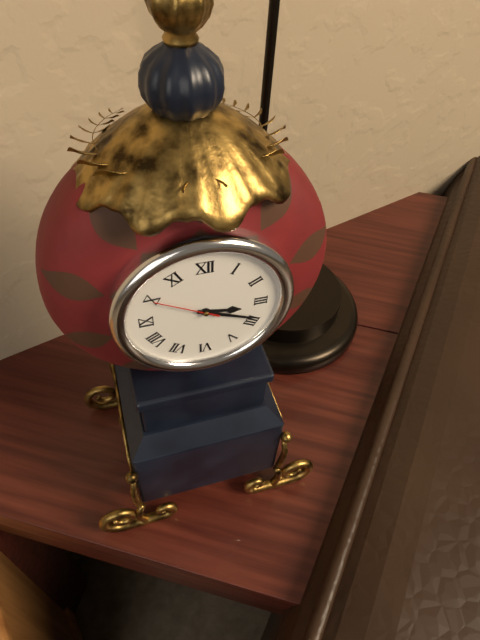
3:19:50
